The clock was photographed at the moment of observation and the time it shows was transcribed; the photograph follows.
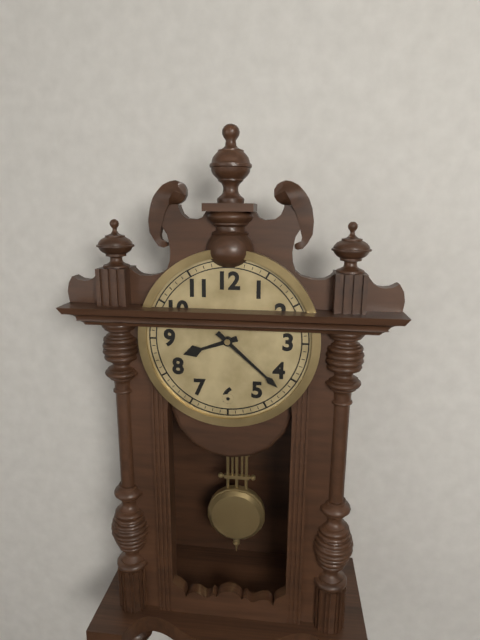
8:22
